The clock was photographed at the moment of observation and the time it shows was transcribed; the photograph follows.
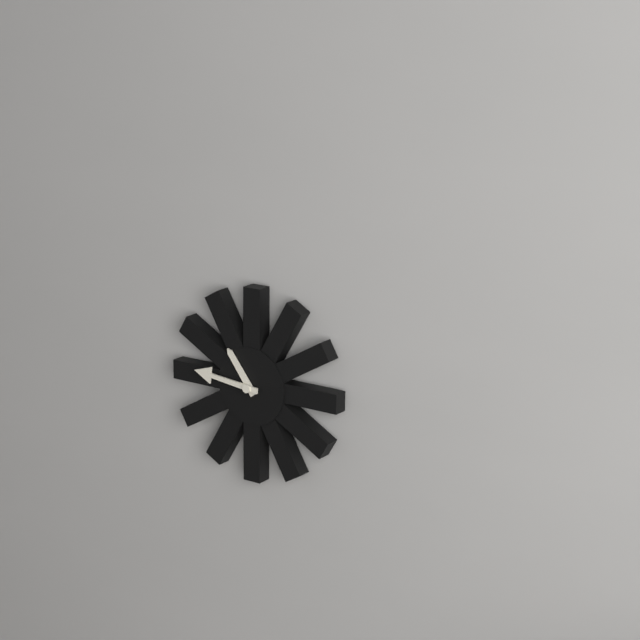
10:46
